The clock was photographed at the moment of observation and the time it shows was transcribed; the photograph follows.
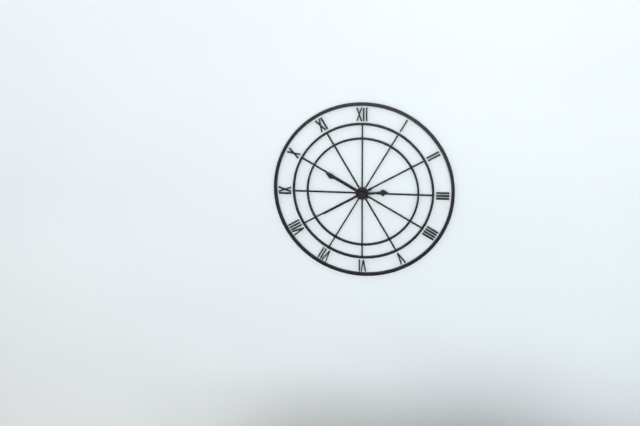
2:50:40
